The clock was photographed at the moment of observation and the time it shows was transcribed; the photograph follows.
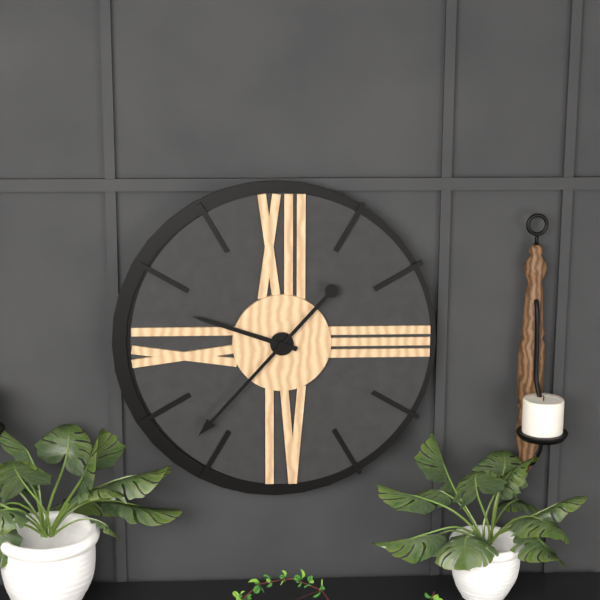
9:37
